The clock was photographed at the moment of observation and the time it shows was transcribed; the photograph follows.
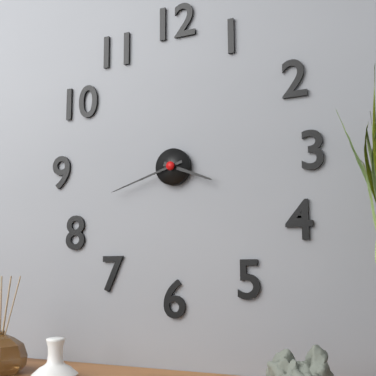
3:42
